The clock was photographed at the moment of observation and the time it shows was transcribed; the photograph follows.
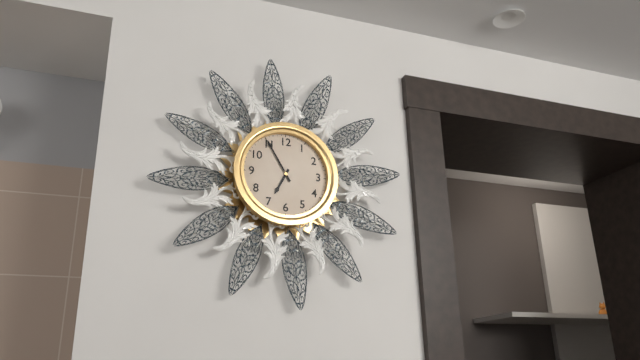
6:55
